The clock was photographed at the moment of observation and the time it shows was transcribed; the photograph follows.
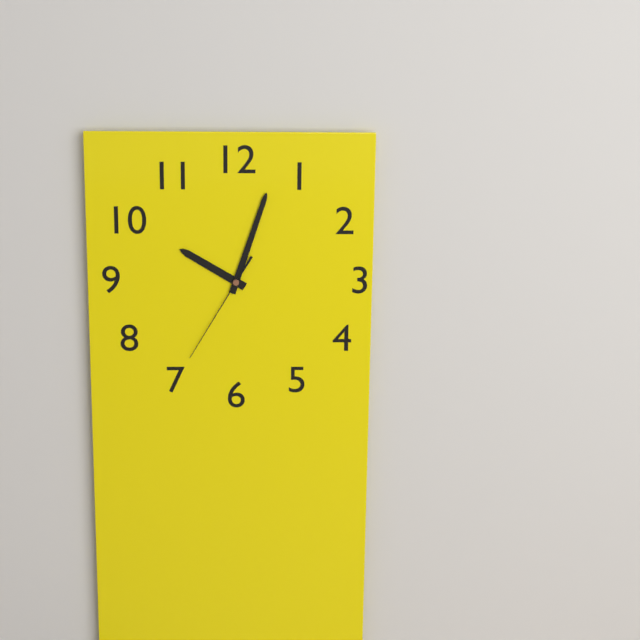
10:03:35
